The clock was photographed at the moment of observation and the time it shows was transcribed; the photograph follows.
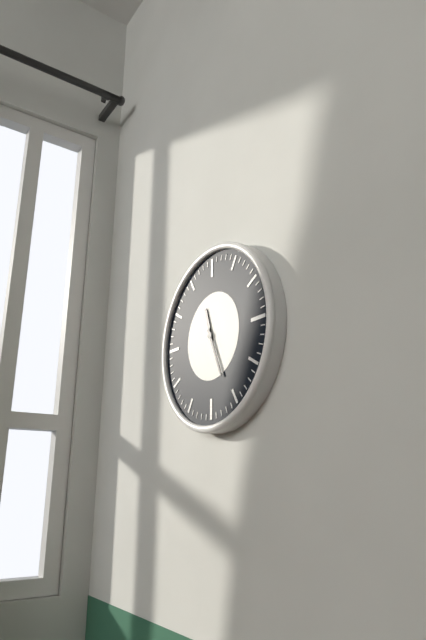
11:26
